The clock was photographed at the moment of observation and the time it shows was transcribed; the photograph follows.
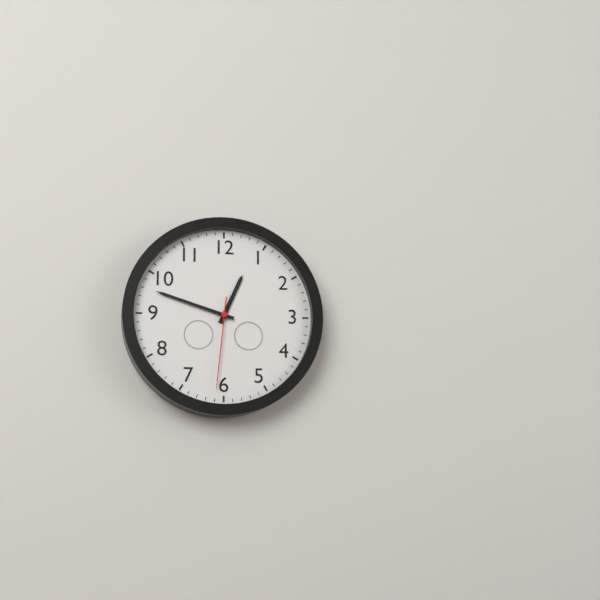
12:48:31
